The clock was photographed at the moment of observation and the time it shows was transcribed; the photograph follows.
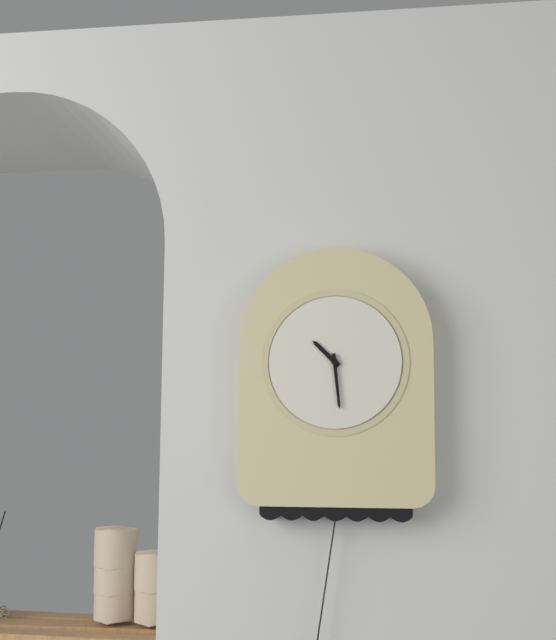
10:29
